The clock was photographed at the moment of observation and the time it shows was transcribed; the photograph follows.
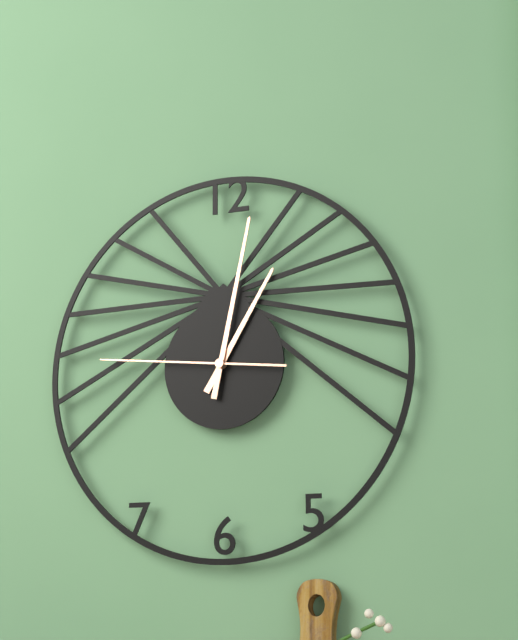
1:02:46
